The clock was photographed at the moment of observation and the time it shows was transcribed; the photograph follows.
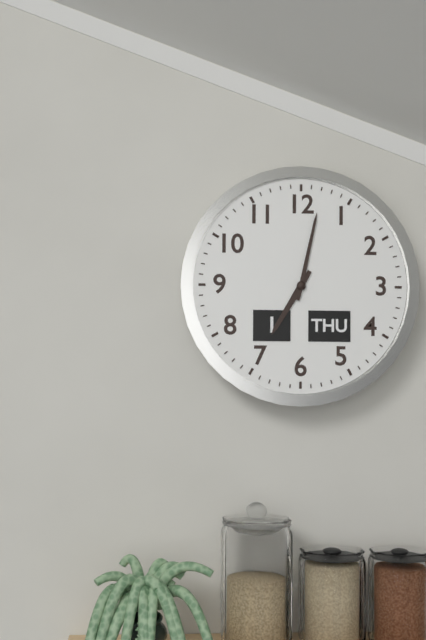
7:02
